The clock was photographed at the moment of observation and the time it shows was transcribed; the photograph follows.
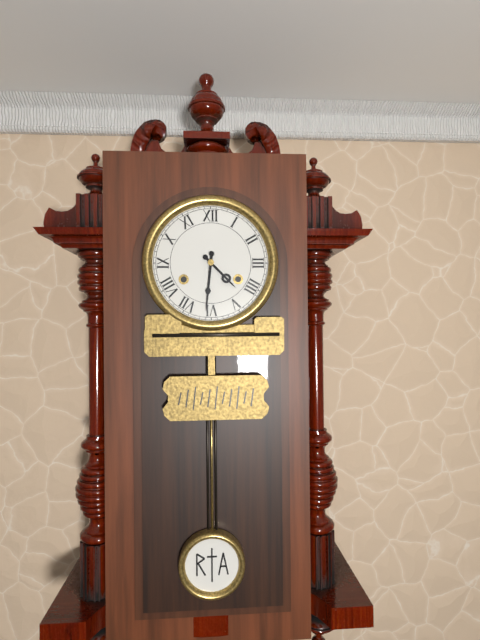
4:31
